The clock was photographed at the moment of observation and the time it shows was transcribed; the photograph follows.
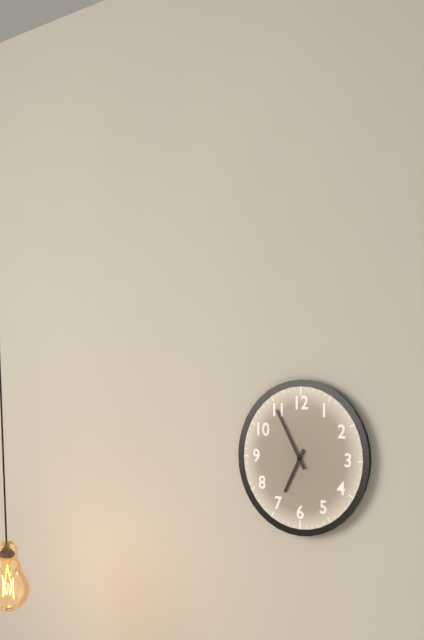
6:55
